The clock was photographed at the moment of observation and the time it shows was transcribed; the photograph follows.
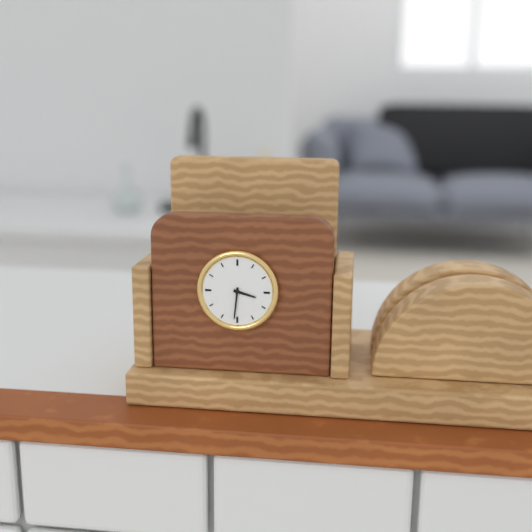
3:31
